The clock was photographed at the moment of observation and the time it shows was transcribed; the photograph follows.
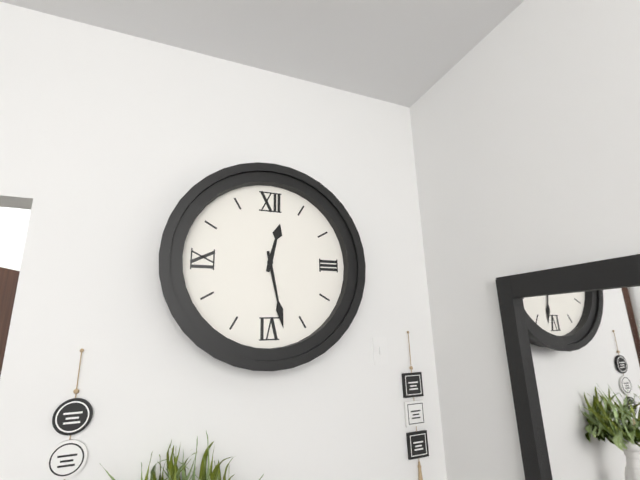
12:28
